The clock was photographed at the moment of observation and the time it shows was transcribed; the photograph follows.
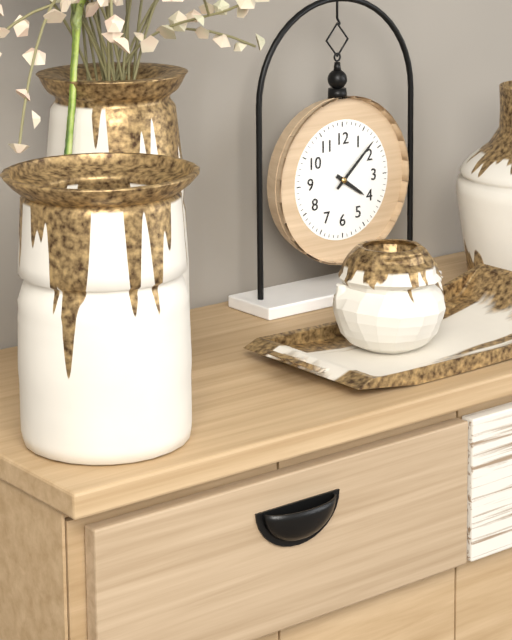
4:08
